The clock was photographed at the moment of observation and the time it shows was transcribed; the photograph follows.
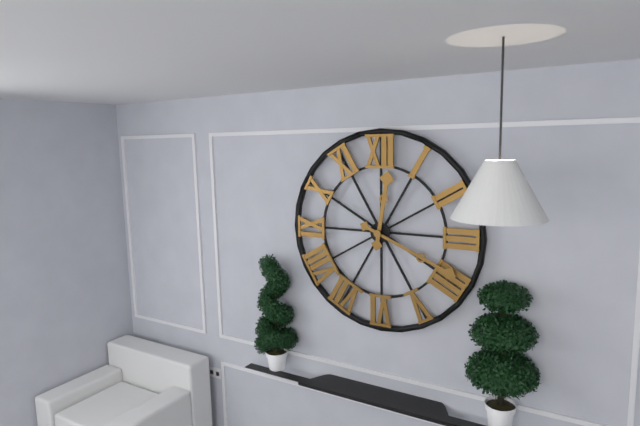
12:19
